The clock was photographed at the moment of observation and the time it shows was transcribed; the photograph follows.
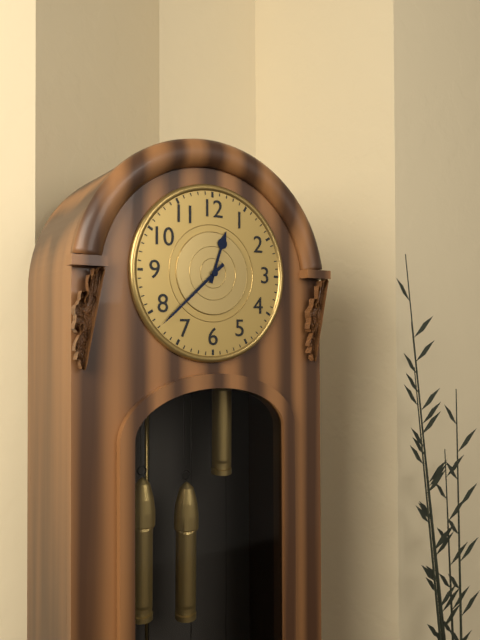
12:38
